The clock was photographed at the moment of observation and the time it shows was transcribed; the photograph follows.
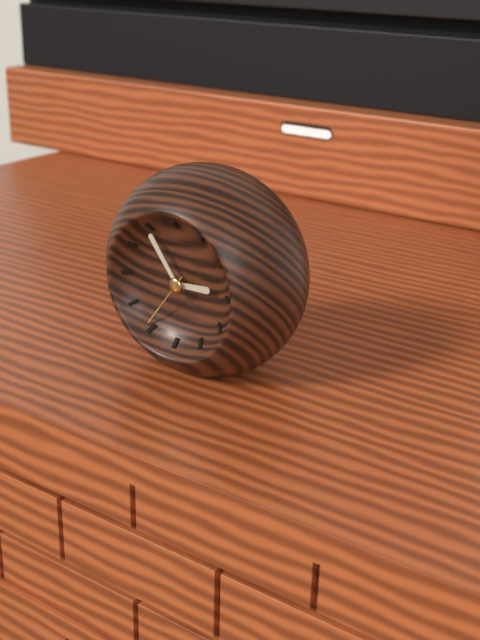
2:54:36
